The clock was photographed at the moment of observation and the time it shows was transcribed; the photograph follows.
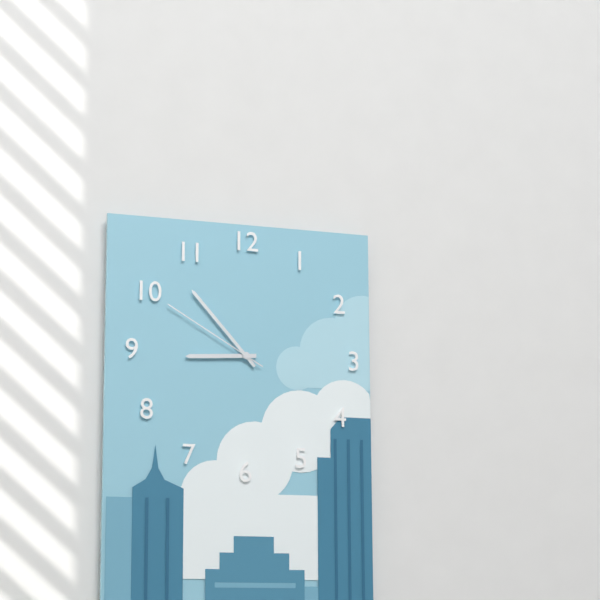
8:53:50
